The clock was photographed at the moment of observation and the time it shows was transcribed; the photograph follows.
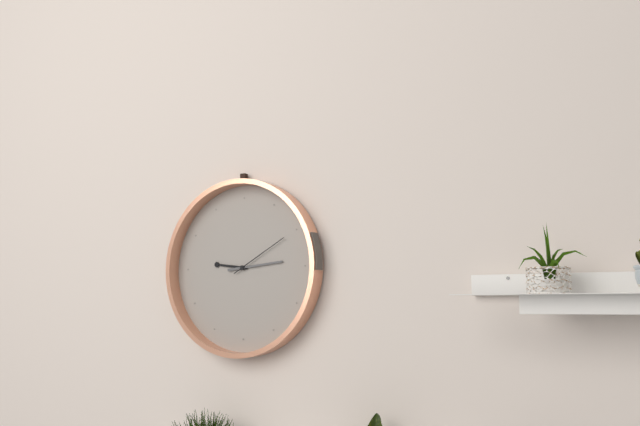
9:14:10
